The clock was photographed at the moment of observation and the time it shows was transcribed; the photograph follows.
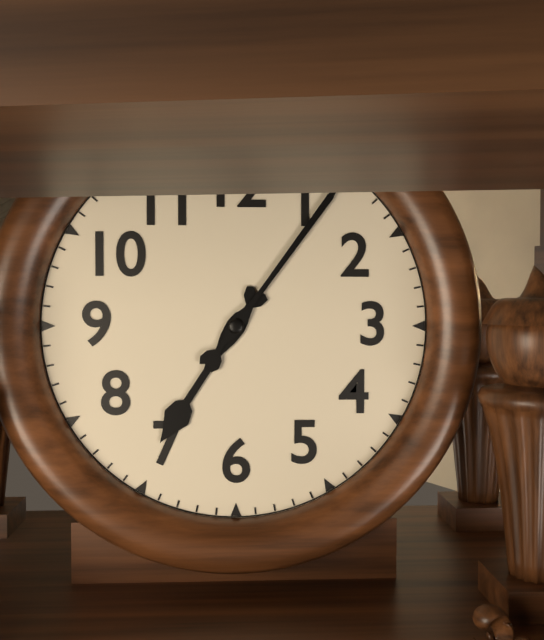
7:06
